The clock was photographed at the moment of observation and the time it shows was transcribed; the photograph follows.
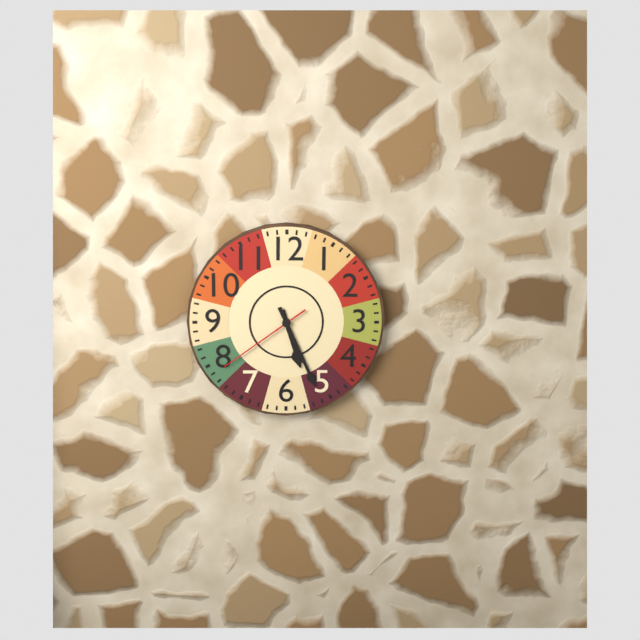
5:26:39
